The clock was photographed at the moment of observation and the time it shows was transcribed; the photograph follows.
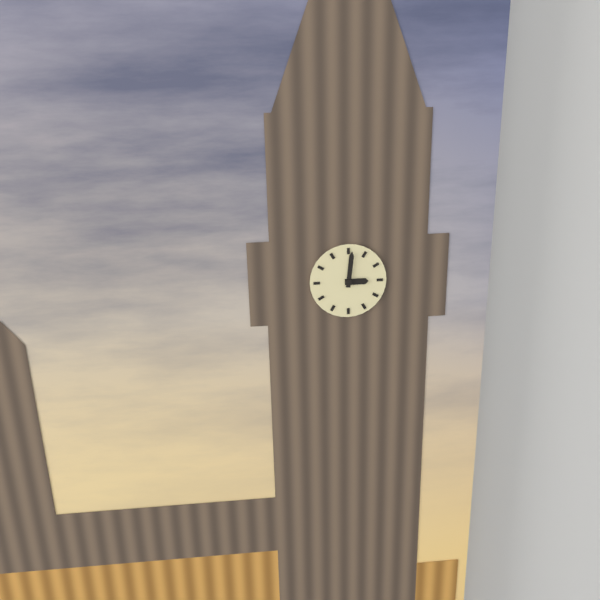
3:01
